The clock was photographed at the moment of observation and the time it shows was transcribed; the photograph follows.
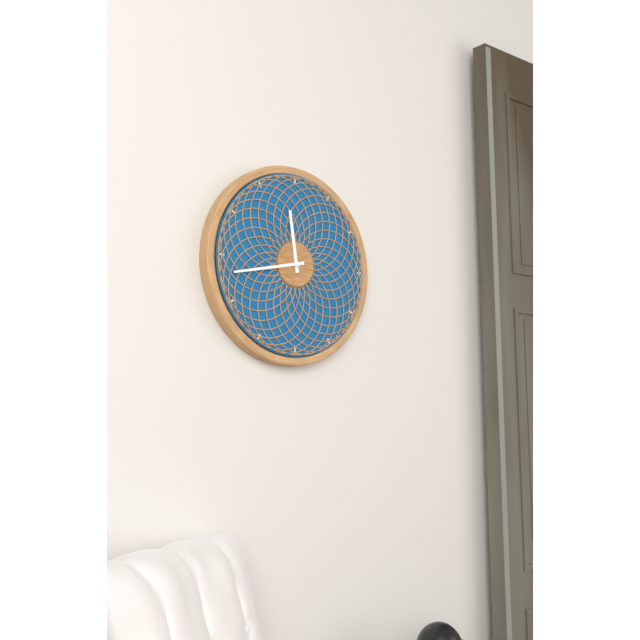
11:43
